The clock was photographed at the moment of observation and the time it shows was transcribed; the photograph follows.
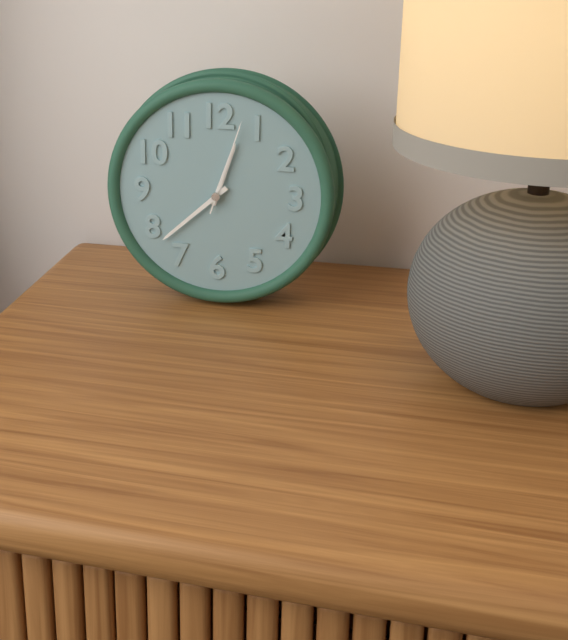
12:38:03
